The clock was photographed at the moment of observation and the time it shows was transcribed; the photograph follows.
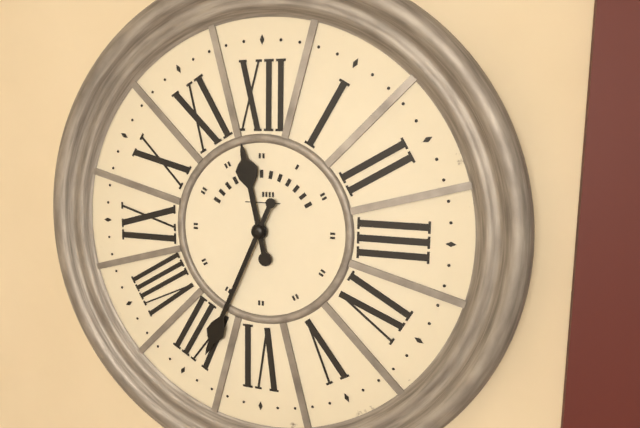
11:34
